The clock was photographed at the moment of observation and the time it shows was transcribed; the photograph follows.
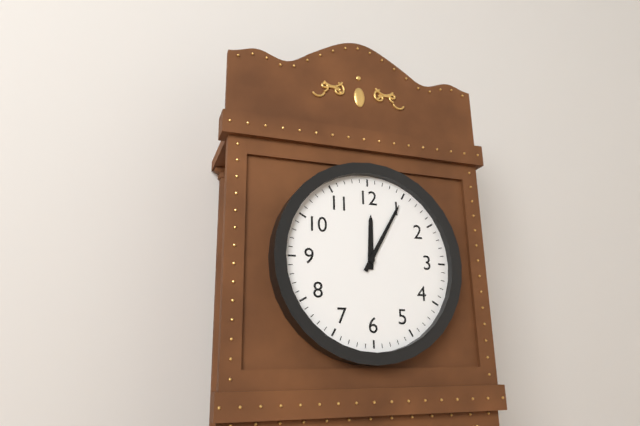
12:05
